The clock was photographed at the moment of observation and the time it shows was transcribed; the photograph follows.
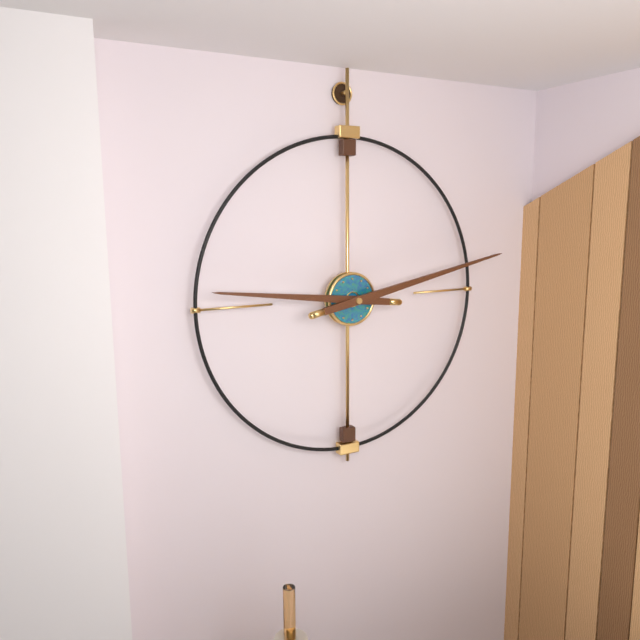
9:13
